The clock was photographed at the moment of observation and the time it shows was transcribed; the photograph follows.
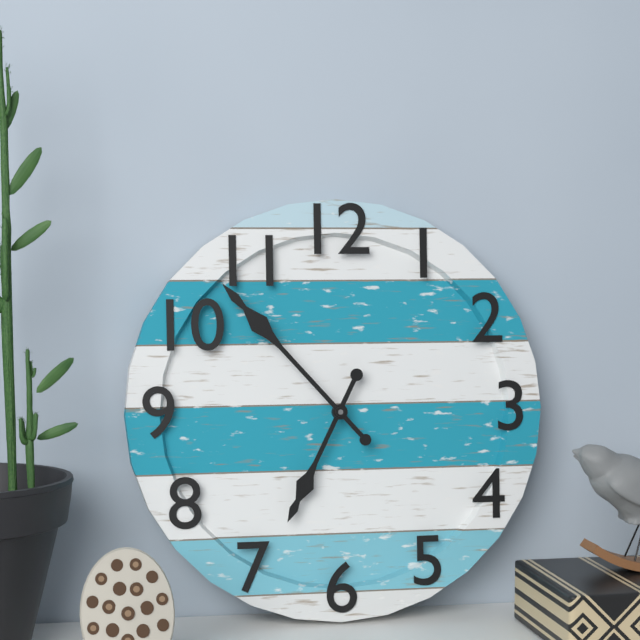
6:53
